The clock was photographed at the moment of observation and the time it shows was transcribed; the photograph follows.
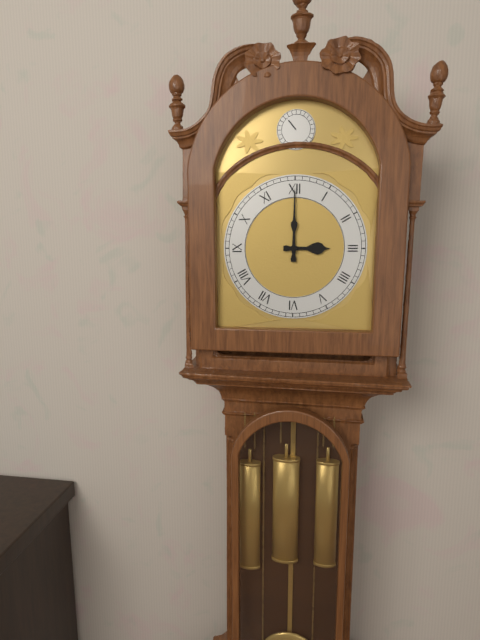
3:00
